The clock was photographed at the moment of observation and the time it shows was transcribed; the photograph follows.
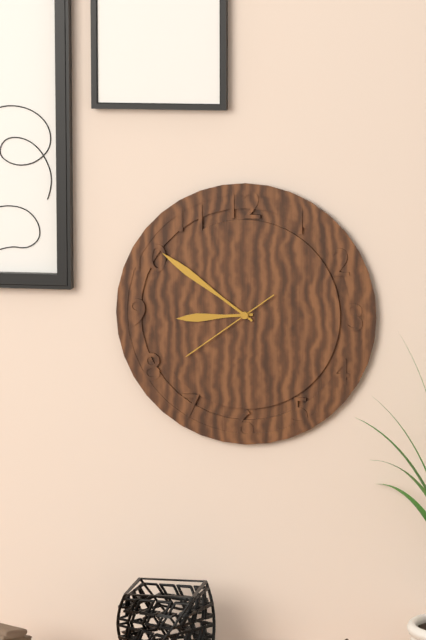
8:51:39
